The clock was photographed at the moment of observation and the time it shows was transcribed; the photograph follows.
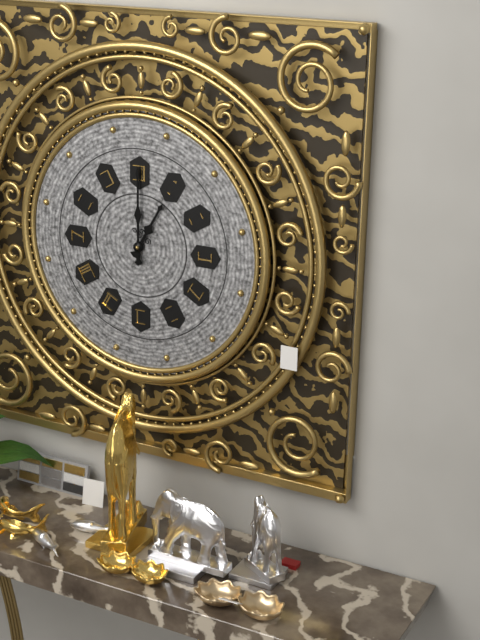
1:00
